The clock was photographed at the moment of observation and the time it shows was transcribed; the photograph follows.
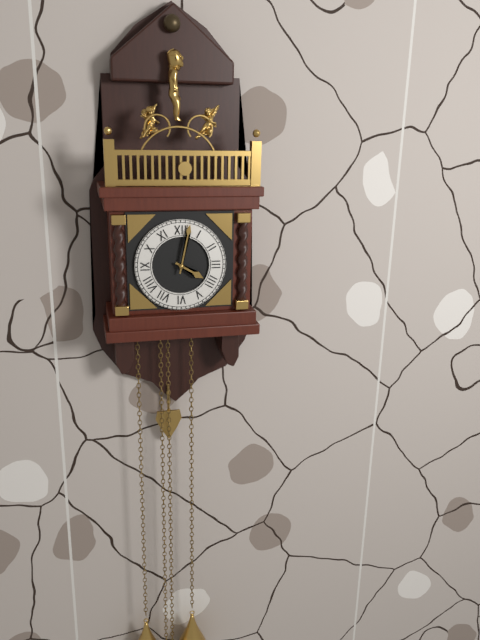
4:02
